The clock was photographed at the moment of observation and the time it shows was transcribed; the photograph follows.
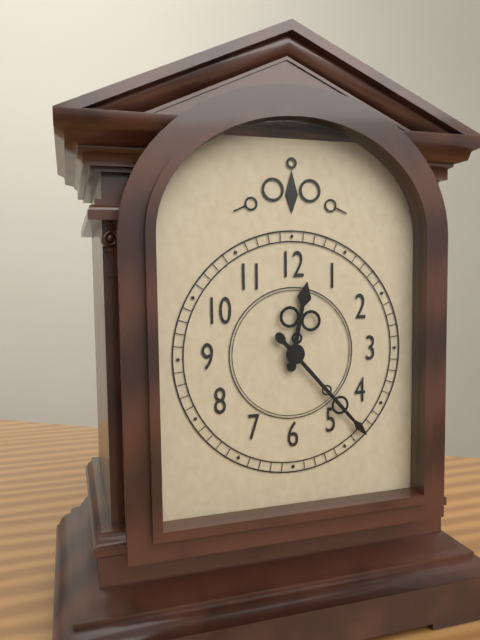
12:23
